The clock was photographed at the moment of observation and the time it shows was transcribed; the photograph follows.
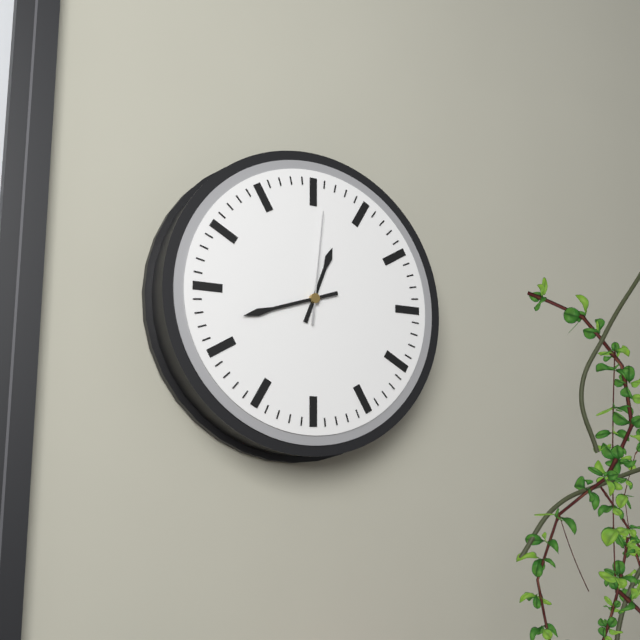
12:42:01
